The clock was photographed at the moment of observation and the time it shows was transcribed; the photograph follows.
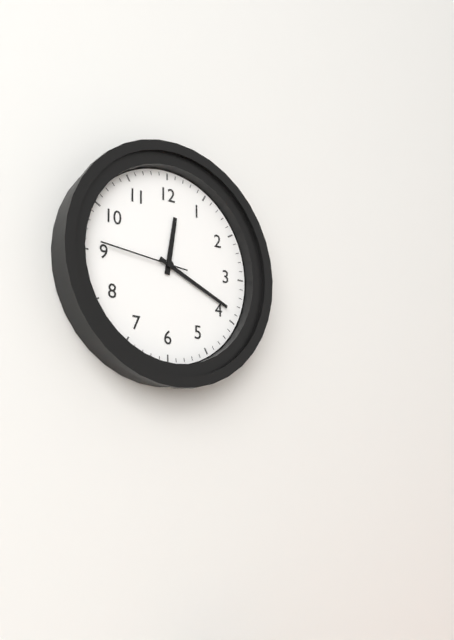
12:19:46
